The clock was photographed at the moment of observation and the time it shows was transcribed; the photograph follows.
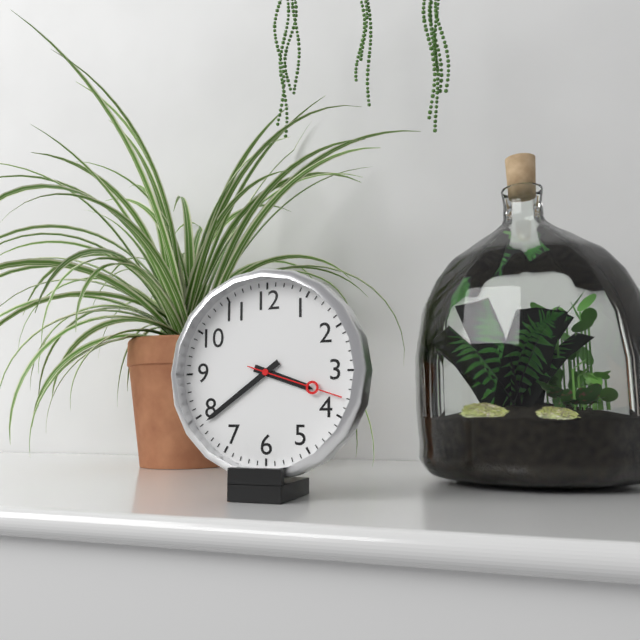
3:39:18
